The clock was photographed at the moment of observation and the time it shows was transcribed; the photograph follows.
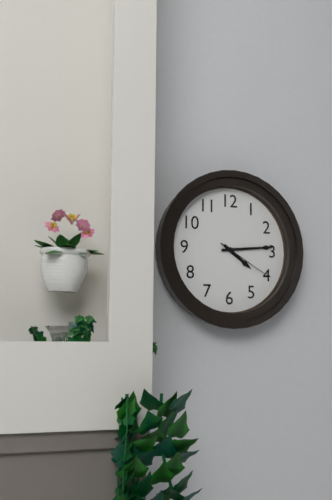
4:14:20
